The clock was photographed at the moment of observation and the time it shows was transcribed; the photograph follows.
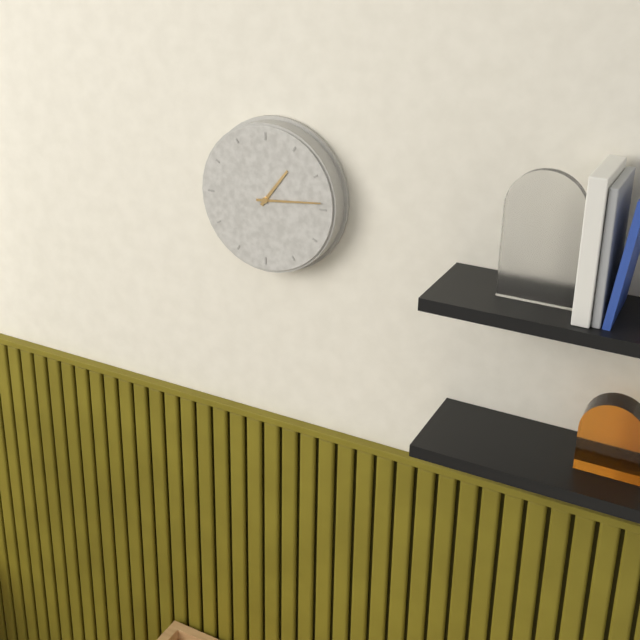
1:14
